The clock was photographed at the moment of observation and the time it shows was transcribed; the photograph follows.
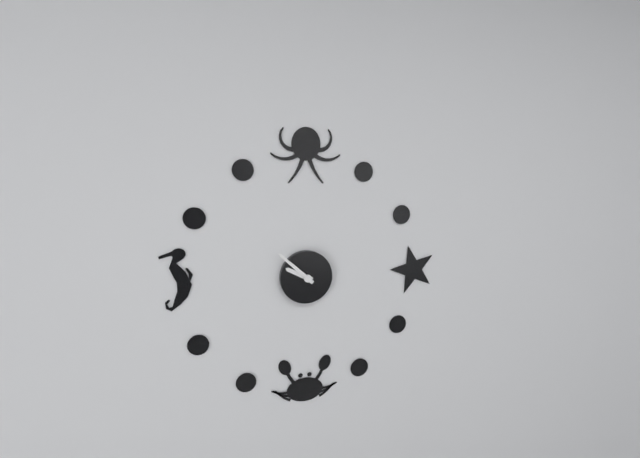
9:52
